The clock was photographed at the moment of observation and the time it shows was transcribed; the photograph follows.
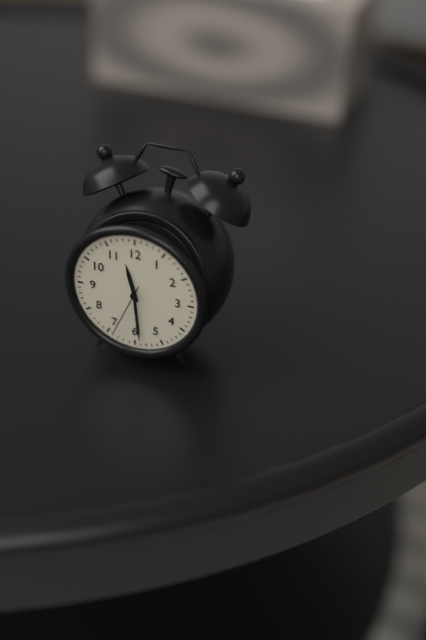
11:29:34
